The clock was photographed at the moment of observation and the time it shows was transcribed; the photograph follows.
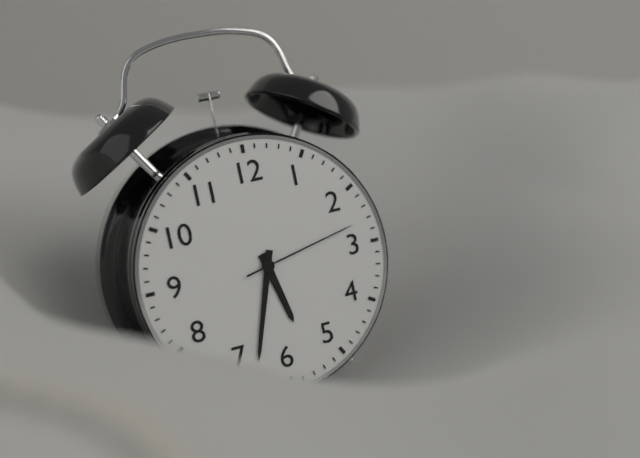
5:33:13
